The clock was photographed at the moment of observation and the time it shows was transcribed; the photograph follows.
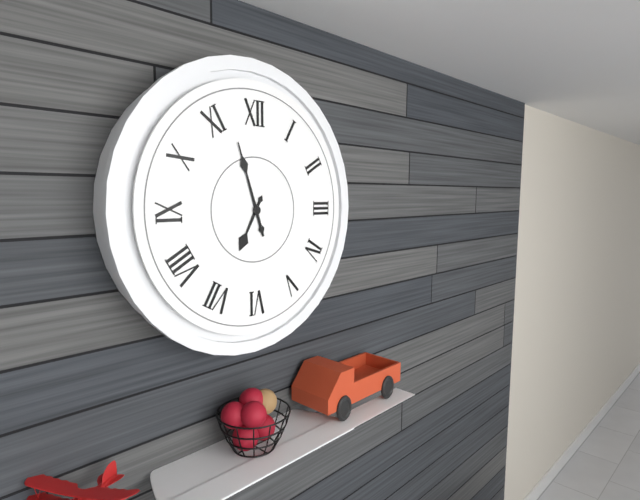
6:57
